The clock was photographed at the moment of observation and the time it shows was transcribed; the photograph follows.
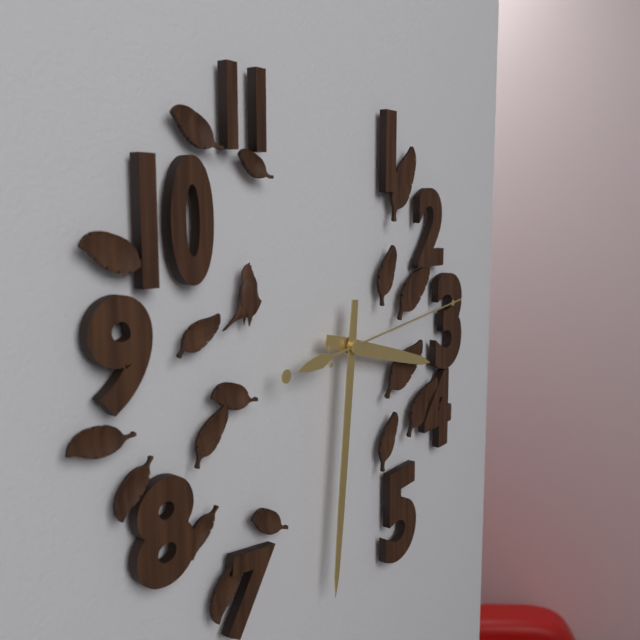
3:31:14
